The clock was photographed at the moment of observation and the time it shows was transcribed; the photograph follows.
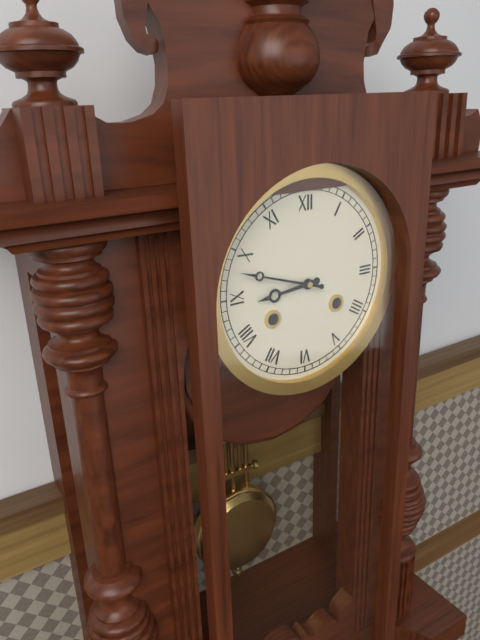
8:48
